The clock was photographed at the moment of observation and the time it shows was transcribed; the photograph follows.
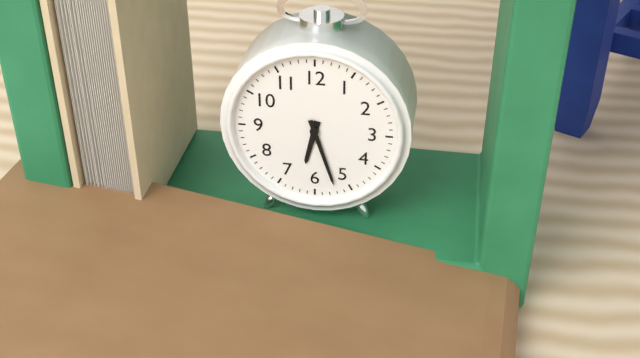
6:27
